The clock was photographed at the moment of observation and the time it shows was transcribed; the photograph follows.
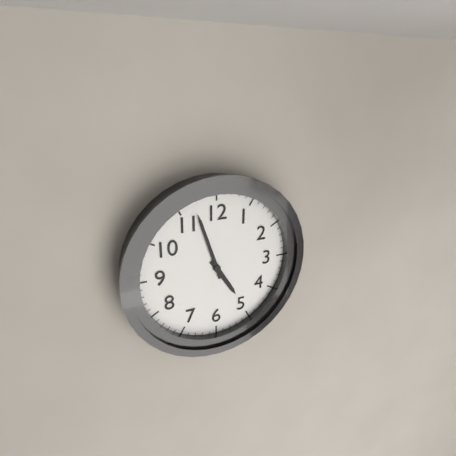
4:57
